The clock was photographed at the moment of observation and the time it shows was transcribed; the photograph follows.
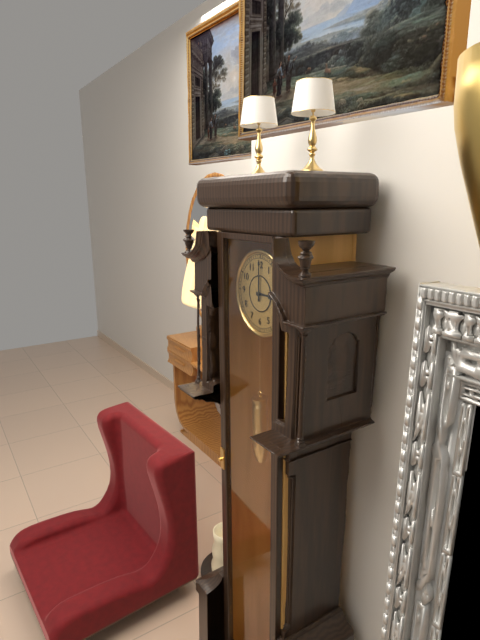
3:00
